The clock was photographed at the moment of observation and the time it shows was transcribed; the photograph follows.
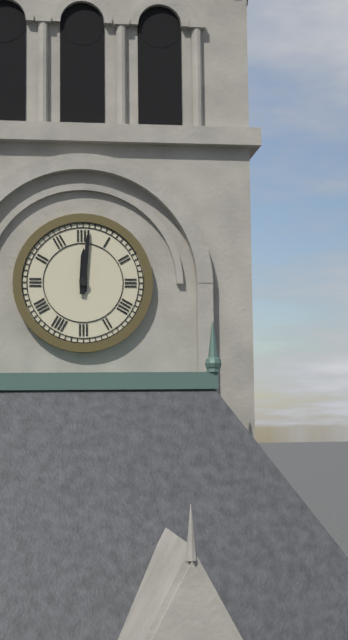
12:01
